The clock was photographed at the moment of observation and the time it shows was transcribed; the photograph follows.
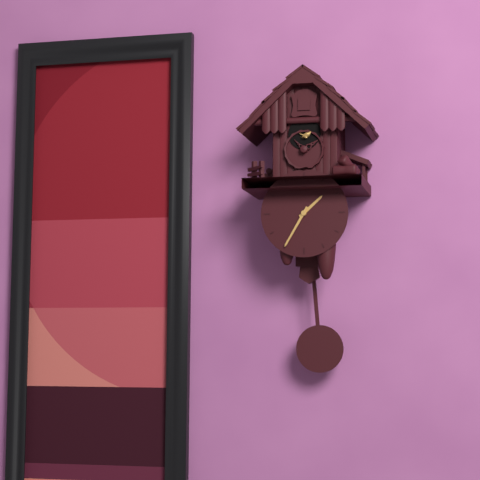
1:35
